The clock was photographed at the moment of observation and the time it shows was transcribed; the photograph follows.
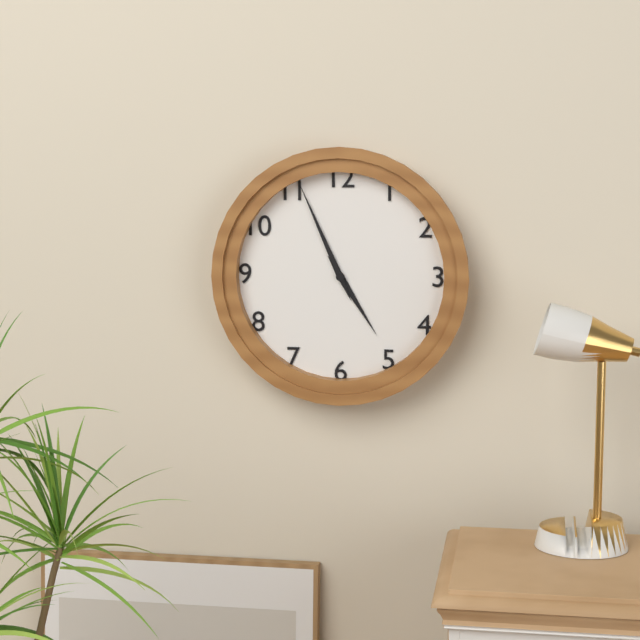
4:56
